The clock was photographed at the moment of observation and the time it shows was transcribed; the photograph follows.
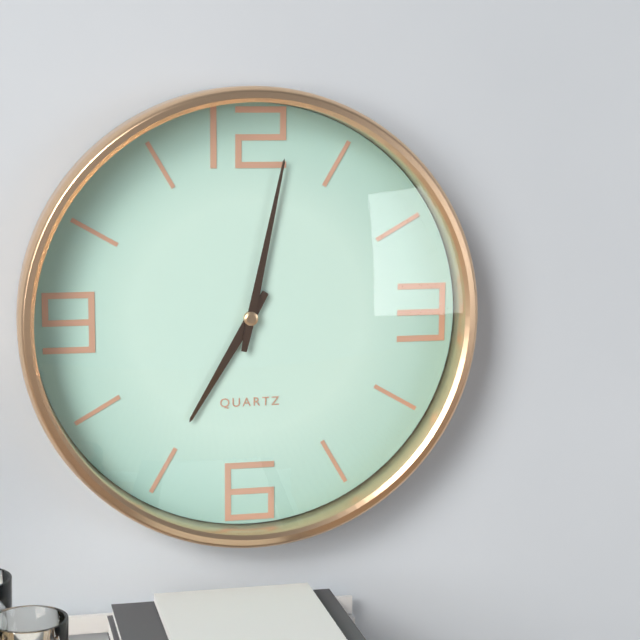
7:02
